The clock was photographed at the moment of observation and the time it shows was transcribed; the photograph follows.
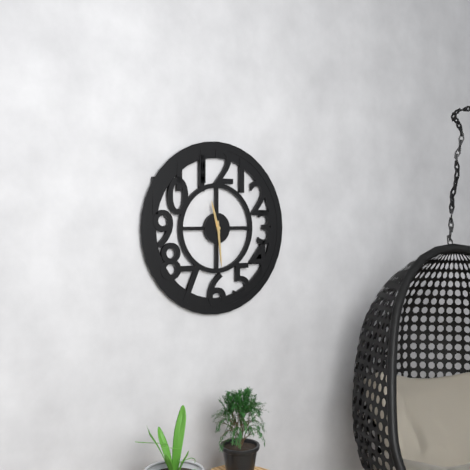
11:29
